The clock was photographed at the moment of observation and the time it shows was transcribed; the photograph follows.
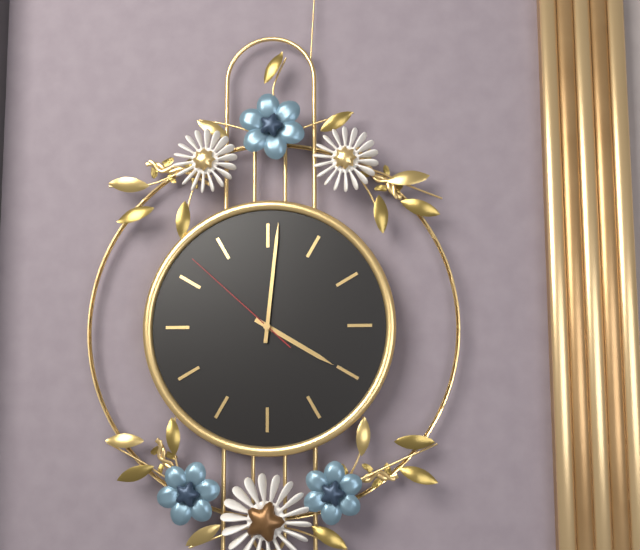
4:01:52
